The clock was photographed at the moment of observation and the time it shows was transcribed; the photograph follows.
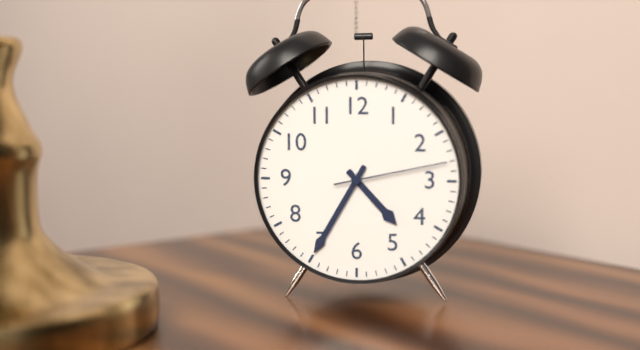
4:35:13
